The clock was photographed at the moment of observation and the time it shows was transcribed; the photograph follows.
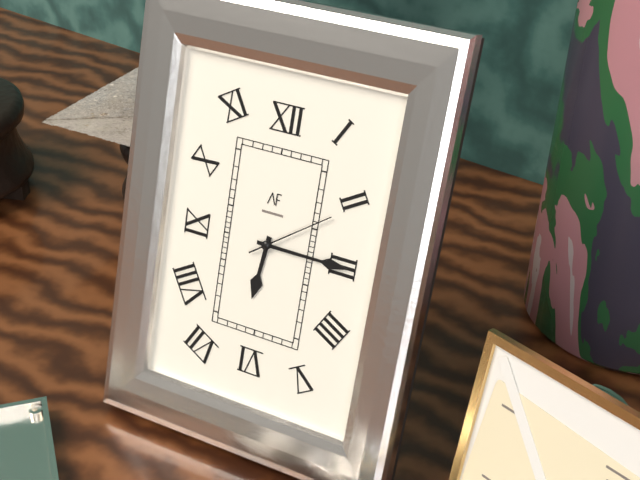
6:15:09
